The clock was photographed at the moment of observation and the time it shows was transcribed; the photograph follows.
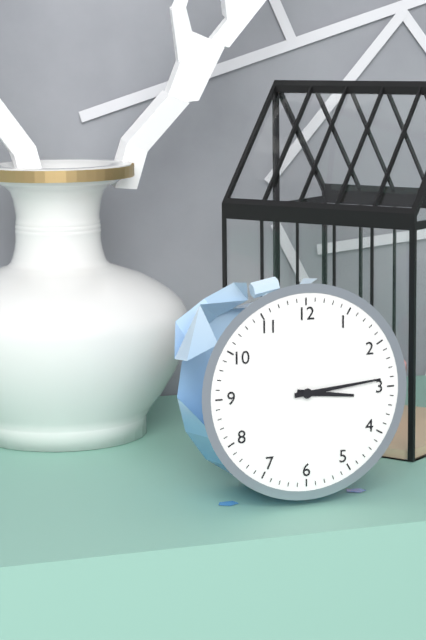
3:14
